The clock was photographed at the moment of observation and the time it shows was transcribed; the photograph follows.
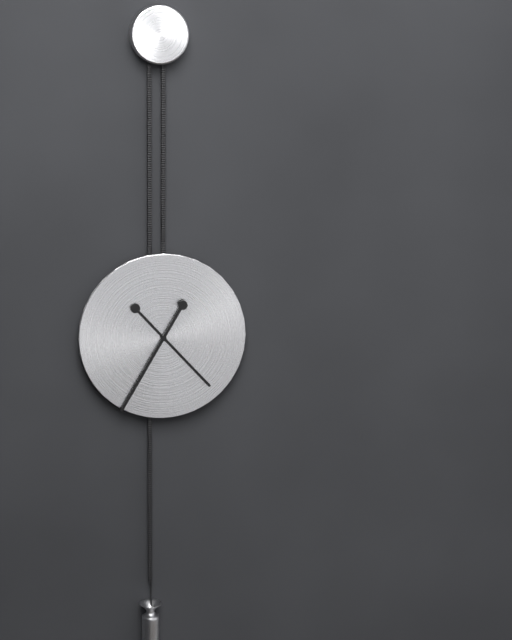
4:35
